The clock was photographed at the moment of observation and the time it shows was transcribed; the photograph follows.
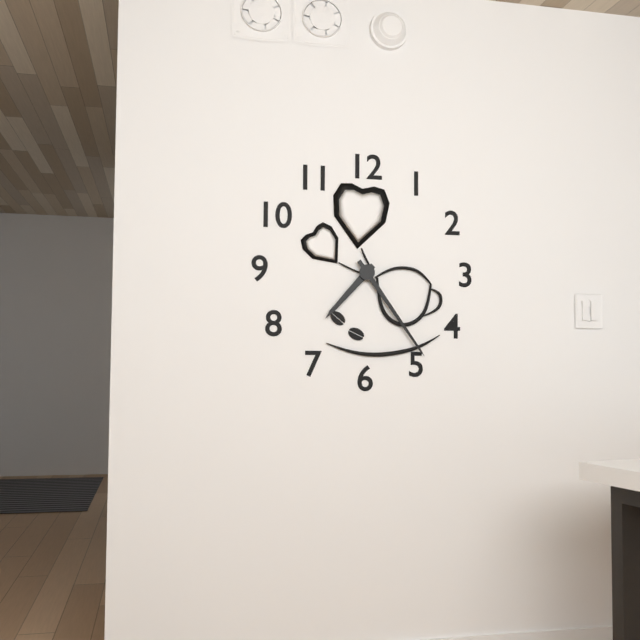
7:24
